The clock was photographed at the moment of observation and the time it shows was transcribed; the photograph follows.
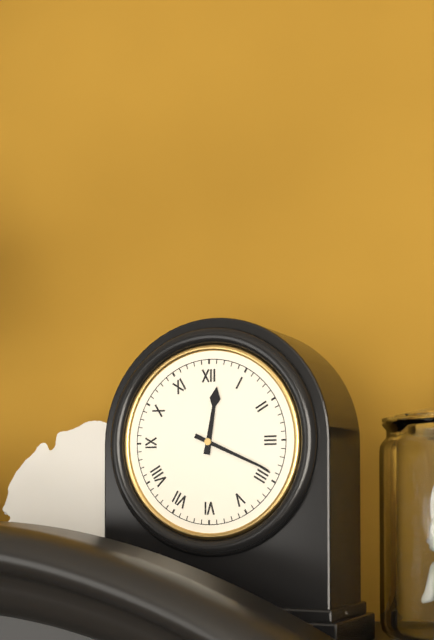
12:19
